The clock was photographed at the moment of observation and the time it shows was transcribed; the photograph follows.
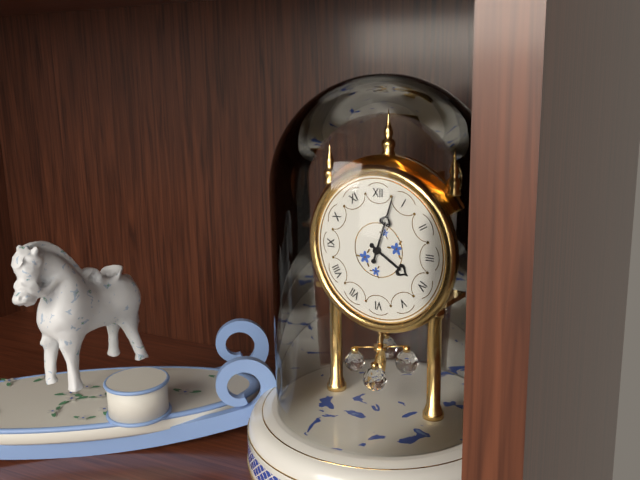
4:03
